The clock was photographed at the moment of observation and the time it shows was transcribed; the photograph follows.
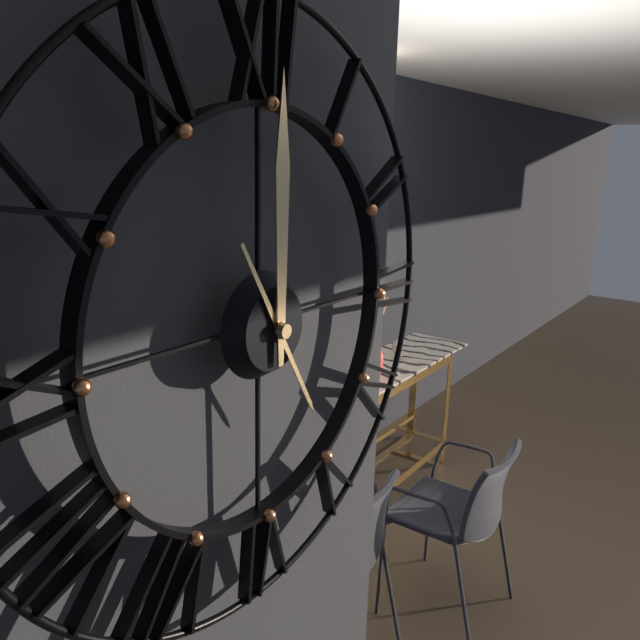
5:00
